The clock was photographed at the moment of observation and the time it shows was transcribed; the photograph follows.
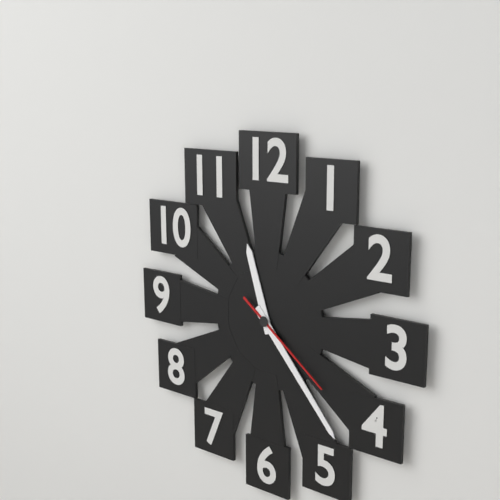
11:23:21
